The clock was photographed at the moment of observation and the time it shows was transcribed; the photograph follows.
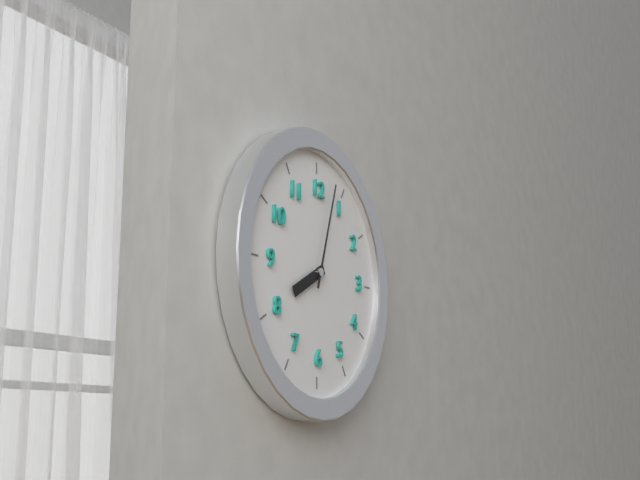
8:03
